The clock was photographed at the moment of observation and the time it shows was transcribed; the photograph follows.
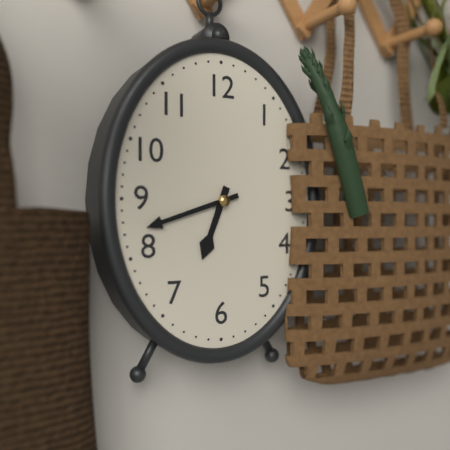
6:42
